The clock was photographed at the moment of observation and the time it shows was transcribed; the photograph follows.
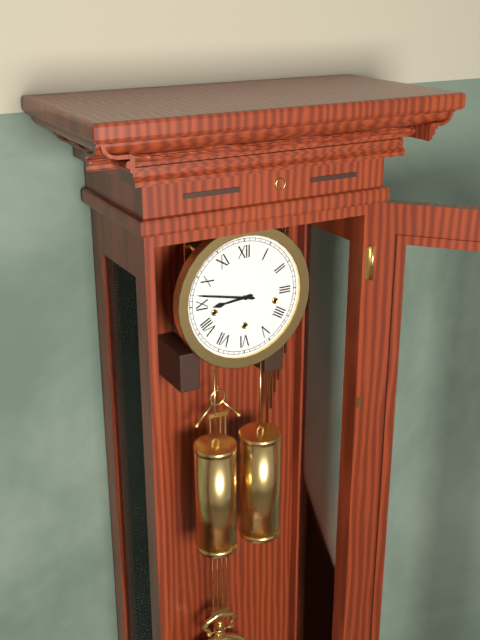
8:47
